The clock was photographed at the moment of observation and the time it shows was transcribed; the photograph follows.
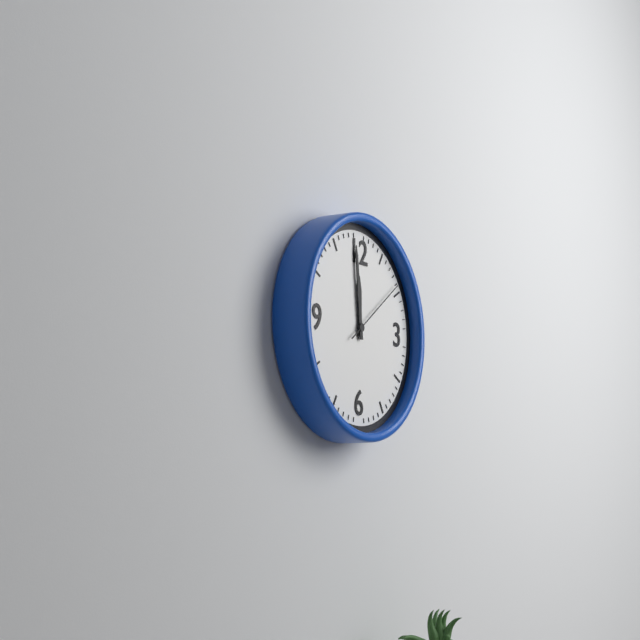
11:59:09
